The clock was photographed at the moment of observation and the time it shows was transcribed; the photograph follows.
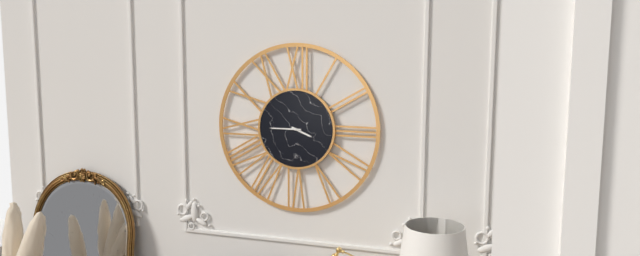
3:45
